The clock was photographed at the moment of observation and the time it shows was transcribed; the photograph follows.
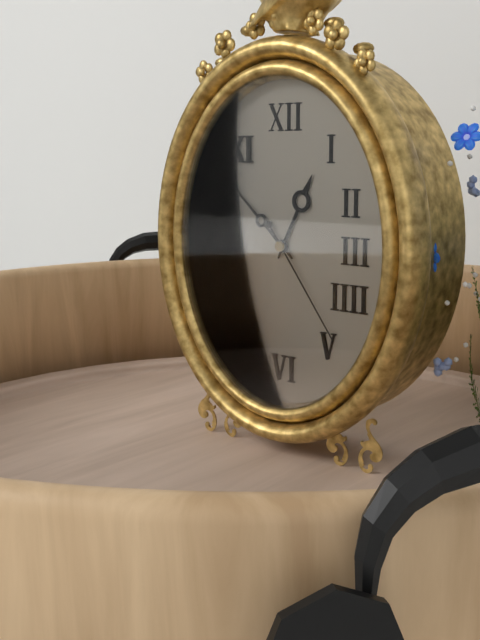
12:52:24
